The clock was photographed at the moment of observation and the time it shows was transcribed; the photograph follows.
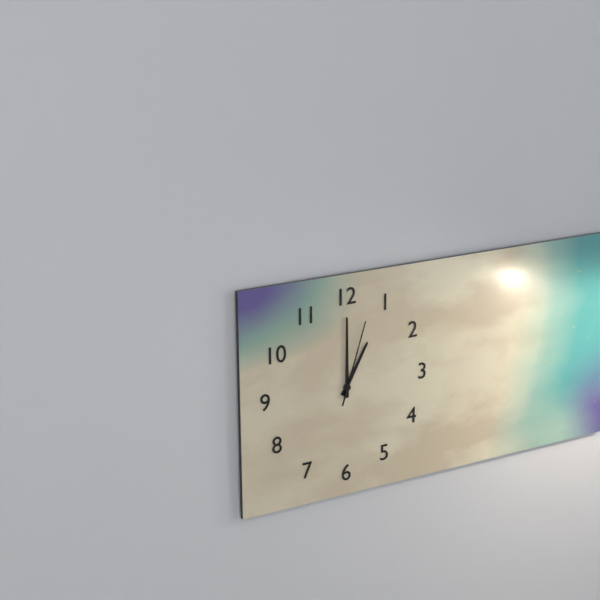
1:00:03
